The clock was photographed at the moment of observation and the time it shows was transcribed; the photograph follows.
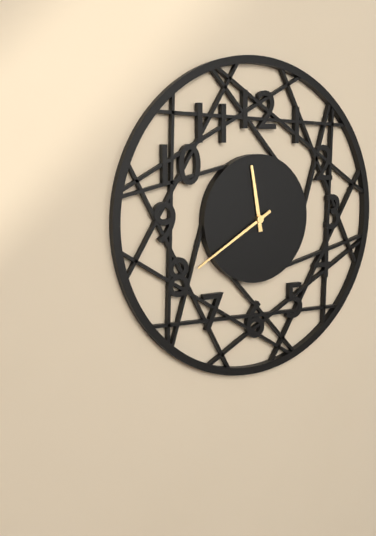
11:40
